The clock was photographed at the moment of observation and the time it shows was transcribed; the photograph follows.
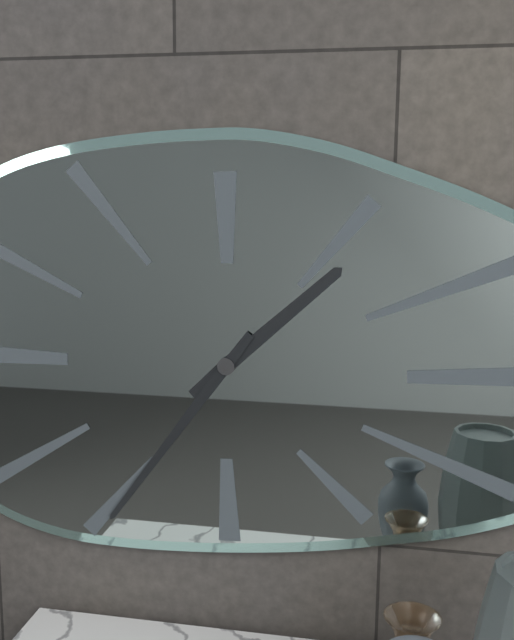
1:36
